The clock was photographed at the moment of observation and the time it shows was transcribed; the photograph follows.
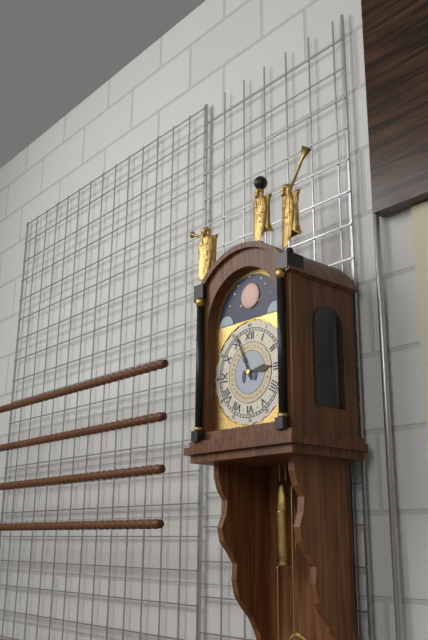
2:56
